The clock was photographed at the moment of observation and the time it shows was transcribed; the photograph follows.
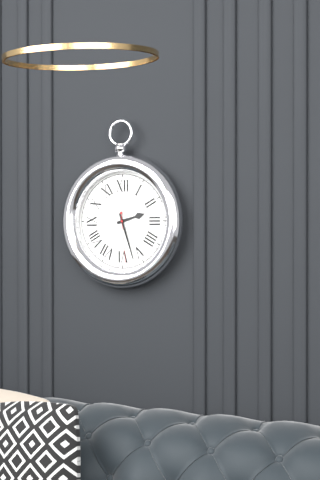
2:27:29
